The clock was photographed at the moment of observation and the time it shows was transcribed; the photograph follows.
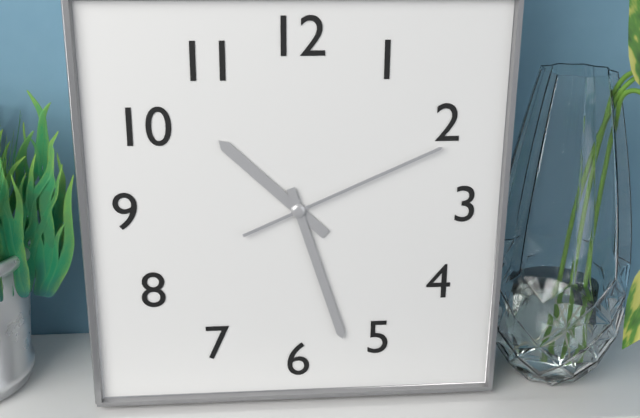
10:27:11
